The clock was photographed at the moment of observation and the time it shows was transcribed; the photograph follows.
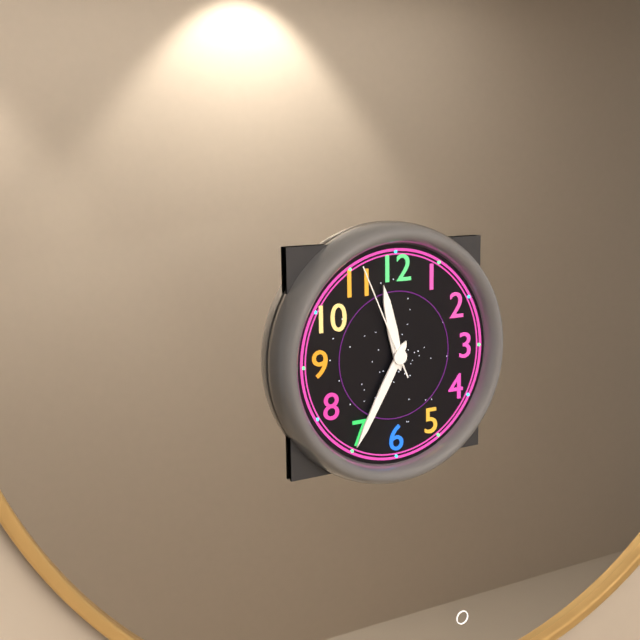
11:35:56
